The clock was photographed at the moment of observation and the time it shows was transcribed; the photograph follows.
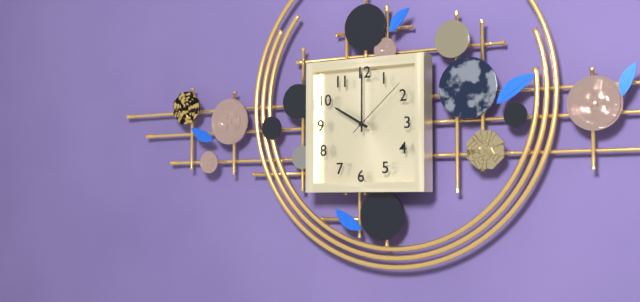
10:00:08
